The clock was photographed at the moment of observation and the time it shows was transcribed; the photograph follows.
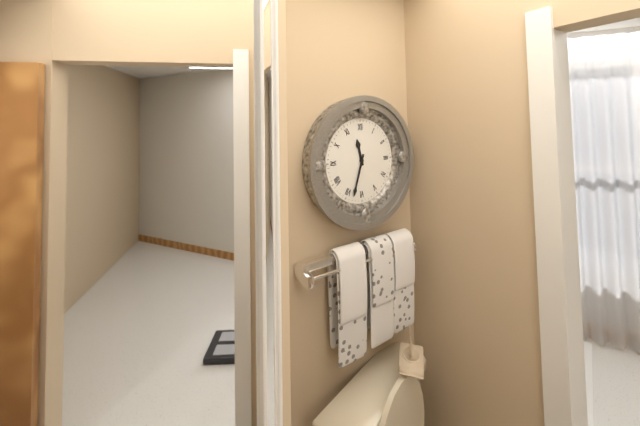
11:33
